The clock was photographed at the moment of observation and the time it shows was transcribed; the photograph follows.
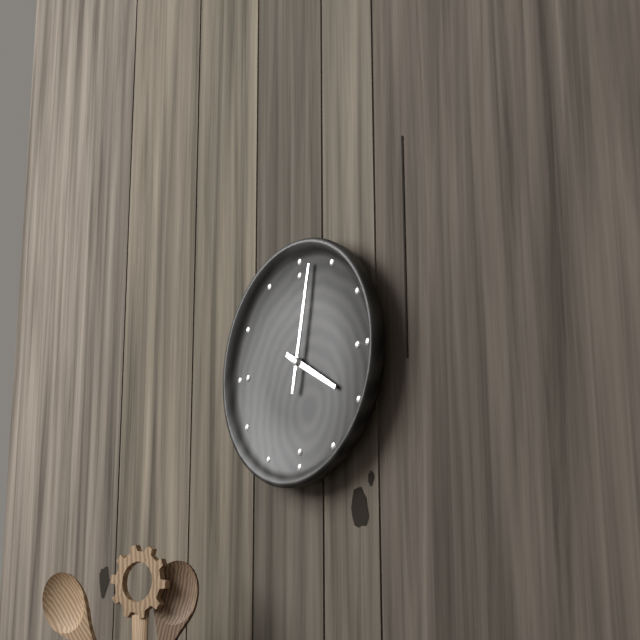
4:02
